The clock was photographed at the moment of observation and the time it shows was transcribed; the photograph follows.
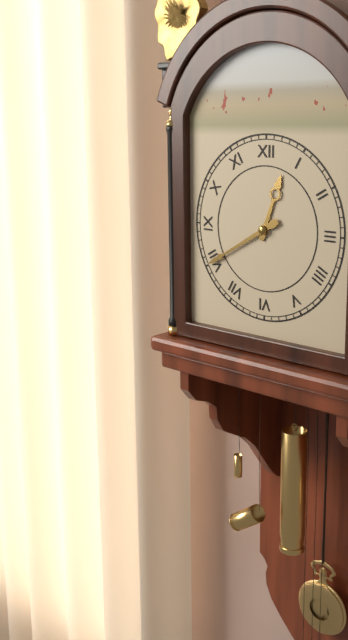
12:40
